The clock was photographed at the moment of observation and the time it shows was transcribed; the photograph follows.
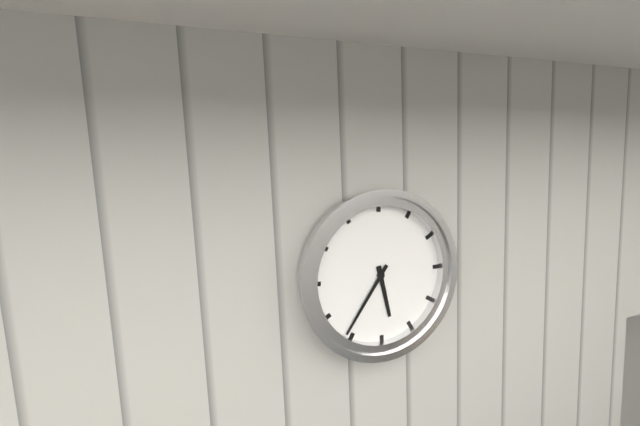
5:36
